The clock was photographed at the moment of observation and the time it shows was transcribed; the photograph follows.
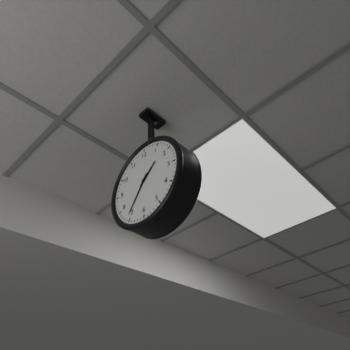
1:36
